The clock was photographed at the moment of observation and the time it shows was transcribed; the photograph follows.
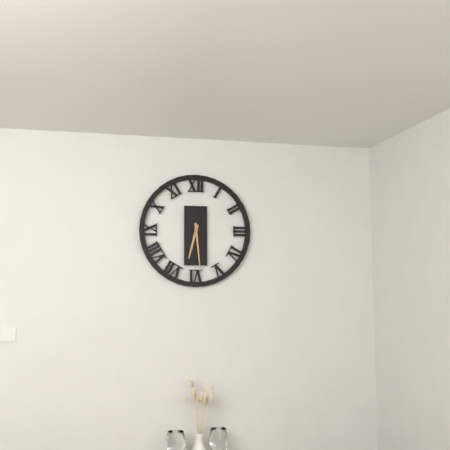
6:29
